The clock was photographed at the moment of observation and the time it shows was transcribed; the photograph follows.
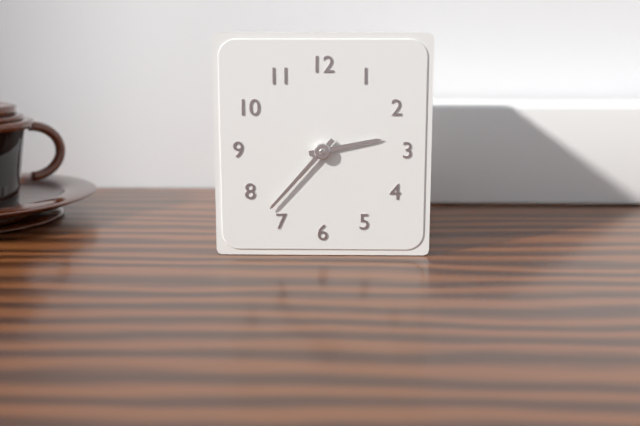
2:37
